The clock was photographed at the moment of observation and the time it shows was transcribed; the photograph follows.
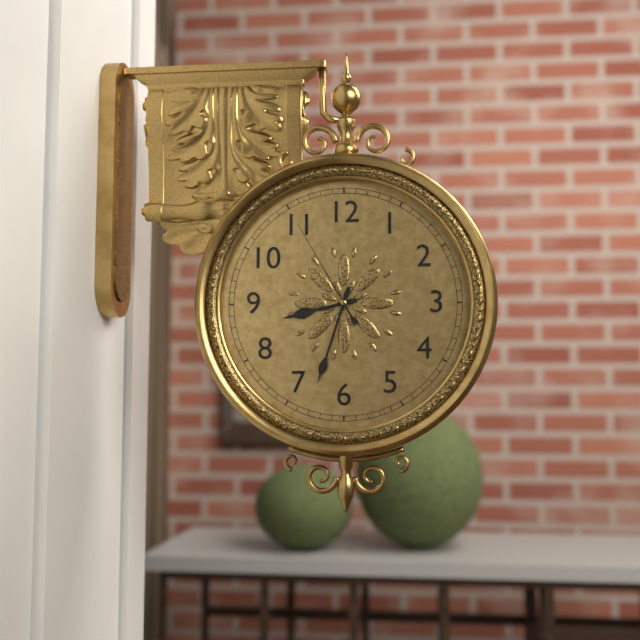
8:33:55
